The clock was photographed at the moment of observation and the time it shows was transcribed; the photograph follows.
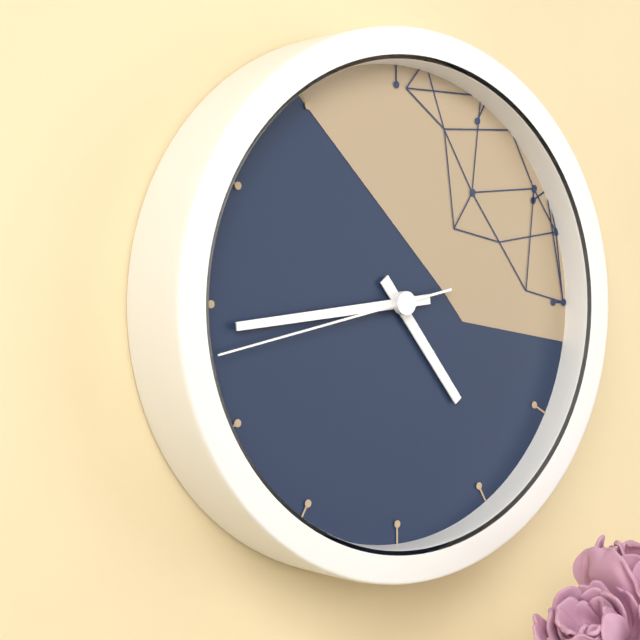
4:44:43
